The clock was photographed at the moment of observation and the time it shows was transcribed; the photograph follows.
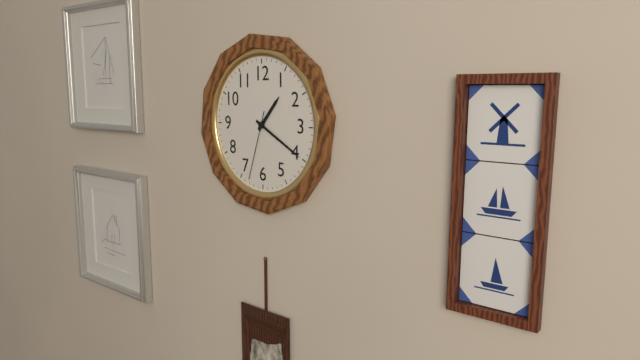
1:20:33
